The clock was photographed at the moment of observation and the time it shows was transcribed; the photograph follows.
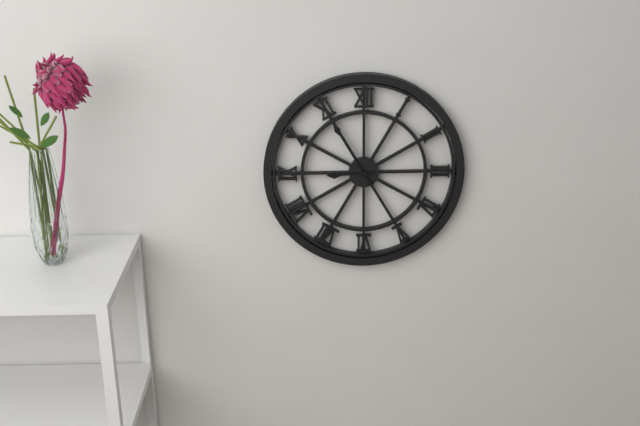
8:55
